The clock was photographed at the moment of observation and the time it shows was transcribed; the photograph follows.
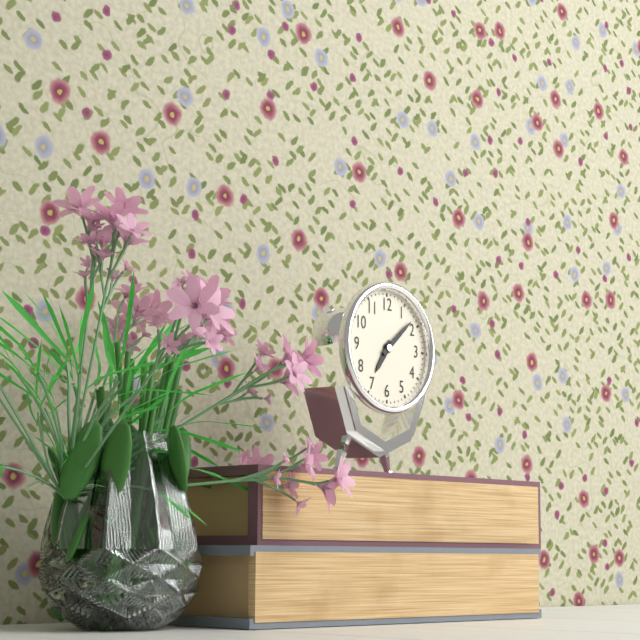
7:08
